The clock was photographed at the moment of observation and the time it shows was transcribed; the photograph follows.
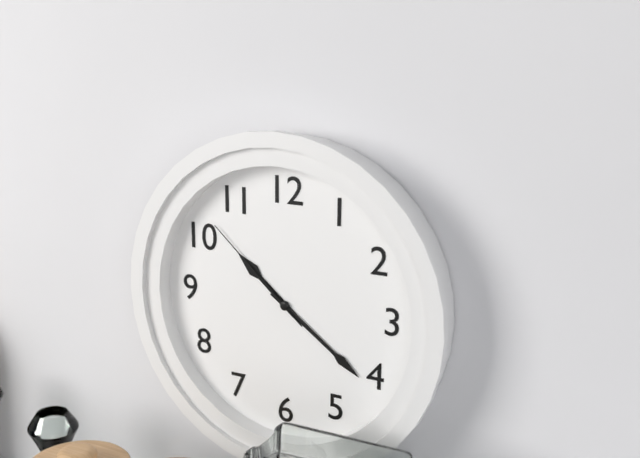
10:21:52
